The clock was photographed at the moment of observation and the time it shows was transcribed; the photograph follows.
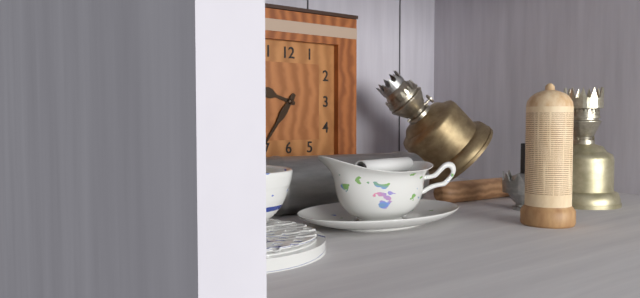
9:36
